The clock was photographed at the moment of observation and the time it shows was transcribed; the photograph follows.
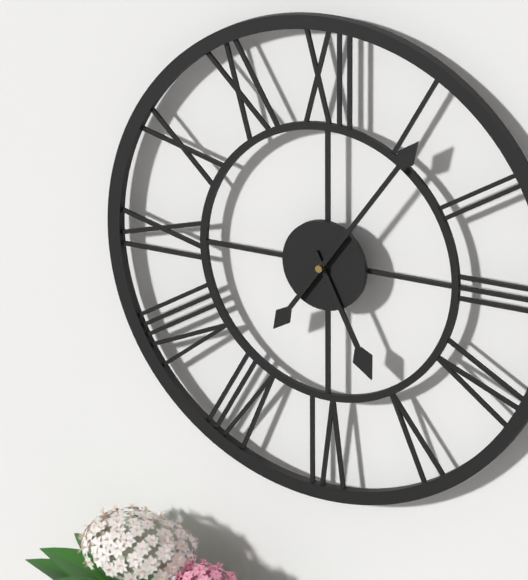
5:06
